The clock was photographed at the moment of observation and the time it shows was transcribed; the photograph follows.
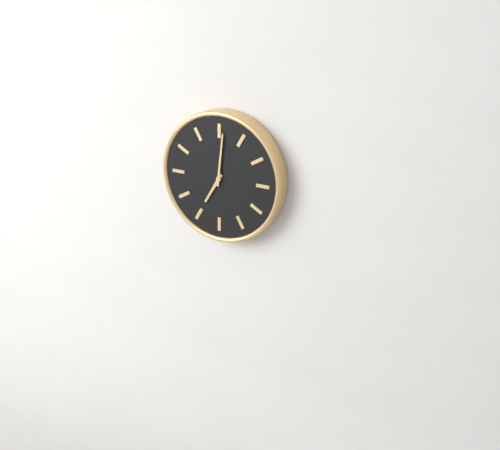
7:01
